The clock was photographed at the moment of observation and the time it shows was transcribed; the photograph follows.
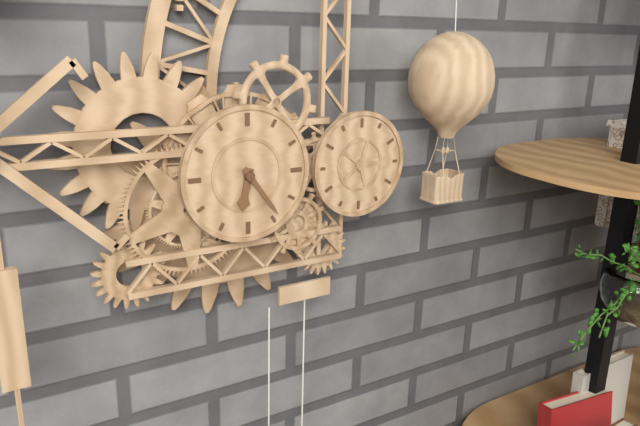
6:24
